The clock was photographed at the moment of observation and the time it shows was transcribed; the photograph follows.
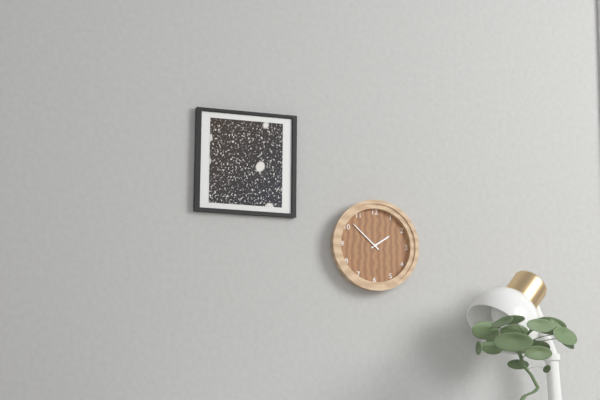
1:52
